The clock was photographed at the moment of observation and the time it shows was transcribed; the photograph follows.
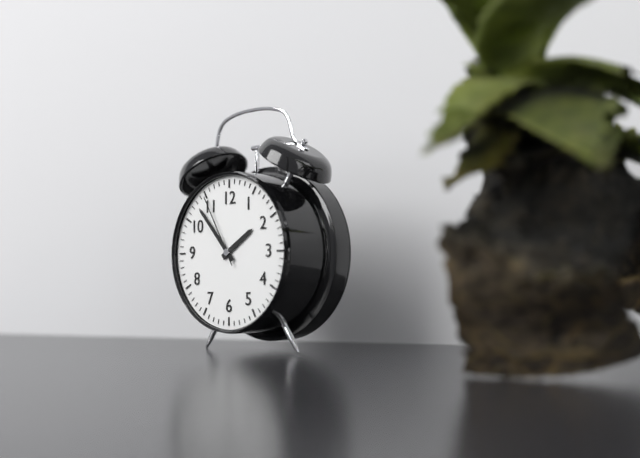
1:53:55
